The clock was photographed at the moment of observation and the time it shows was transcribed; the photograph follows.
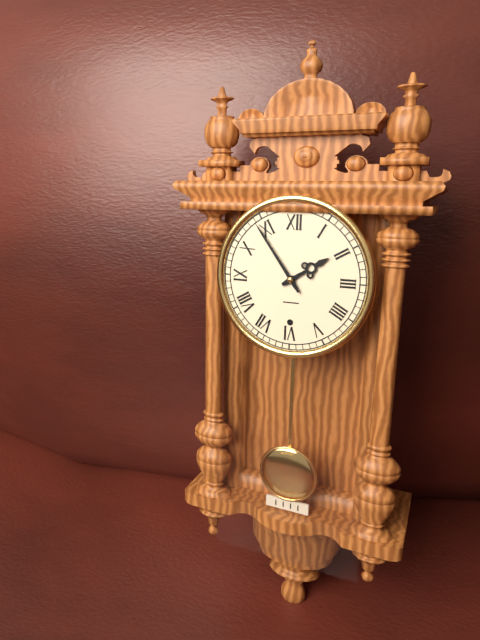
1:54
